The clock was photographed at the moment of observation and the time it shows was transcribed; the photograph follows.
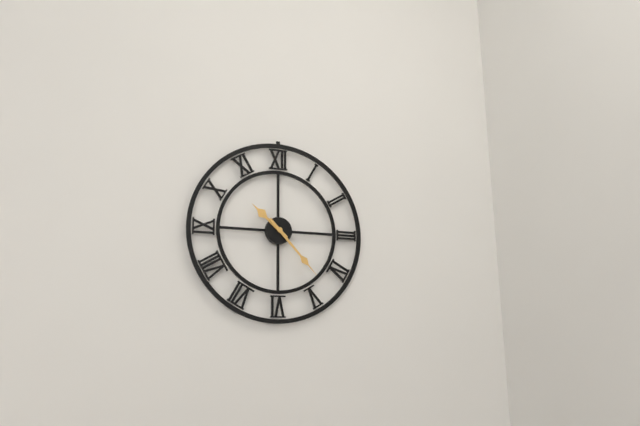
10:23
